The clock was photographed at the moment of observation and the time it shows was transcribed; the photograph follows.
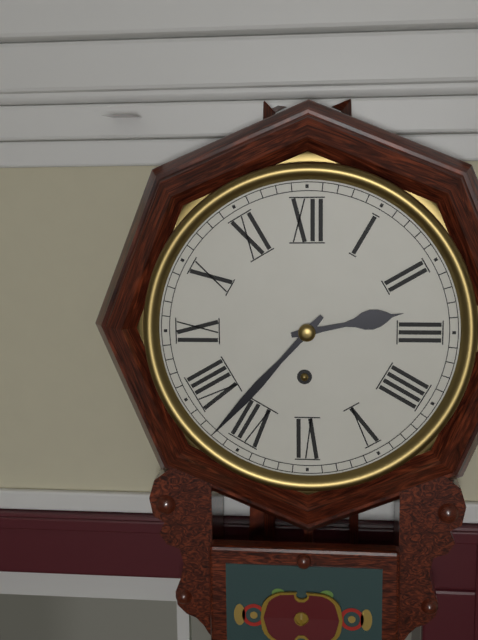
2:37
